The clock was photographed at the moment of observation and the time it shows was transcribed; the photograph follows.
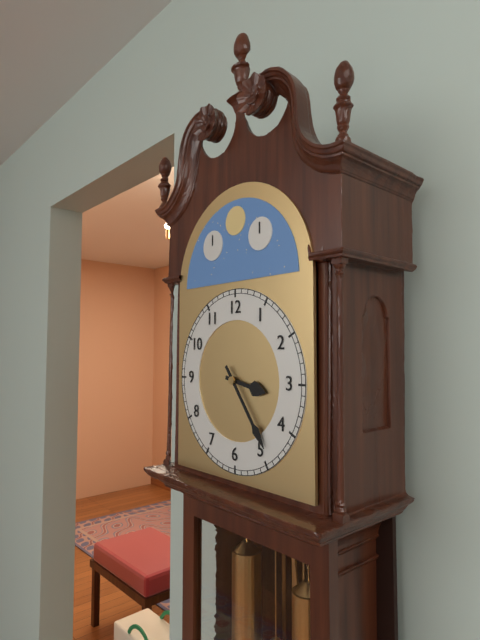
3:24
